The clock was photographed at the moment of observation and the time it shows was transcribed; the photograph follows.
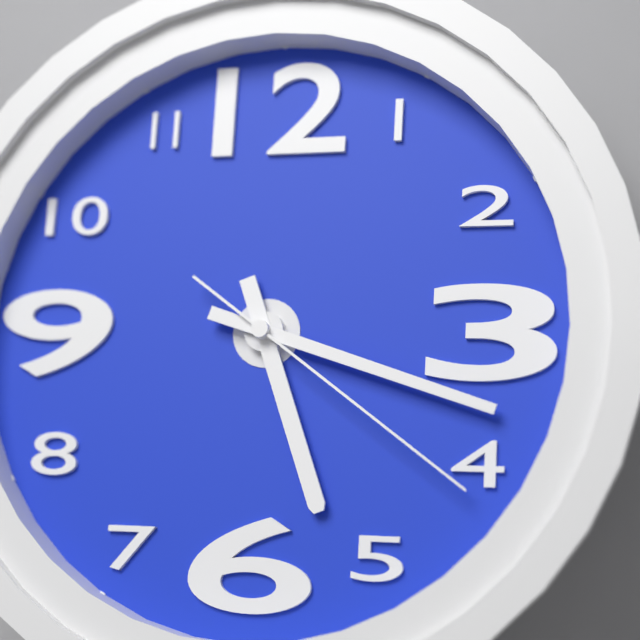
5:18:21
